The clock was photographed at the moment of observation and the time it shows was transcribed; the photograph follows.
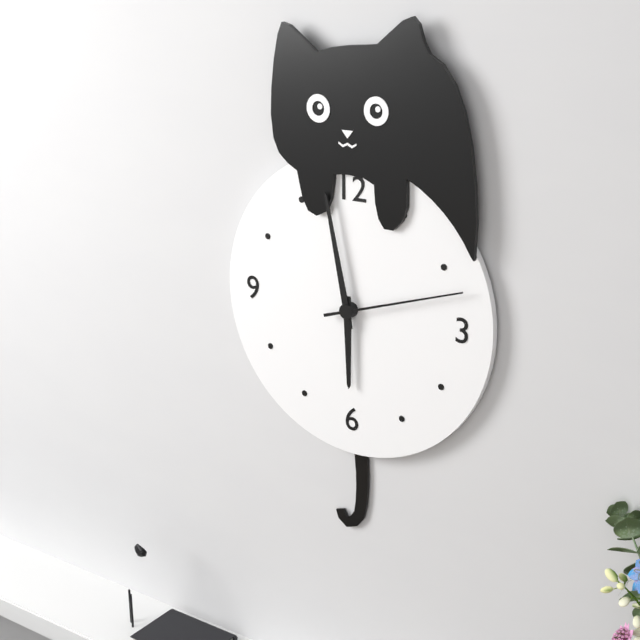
5:58:12
